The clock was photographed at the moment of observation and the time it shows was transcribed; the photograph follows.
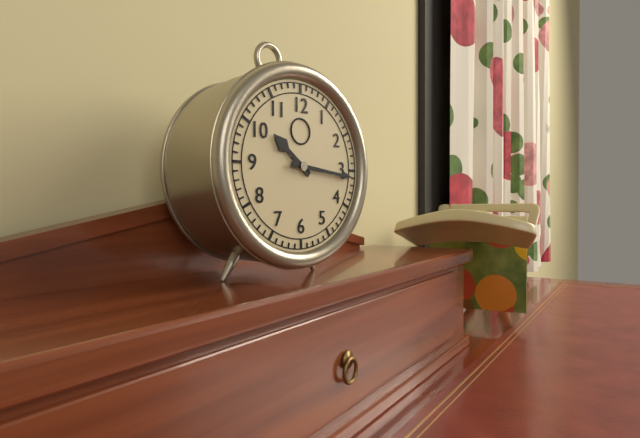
10:16
